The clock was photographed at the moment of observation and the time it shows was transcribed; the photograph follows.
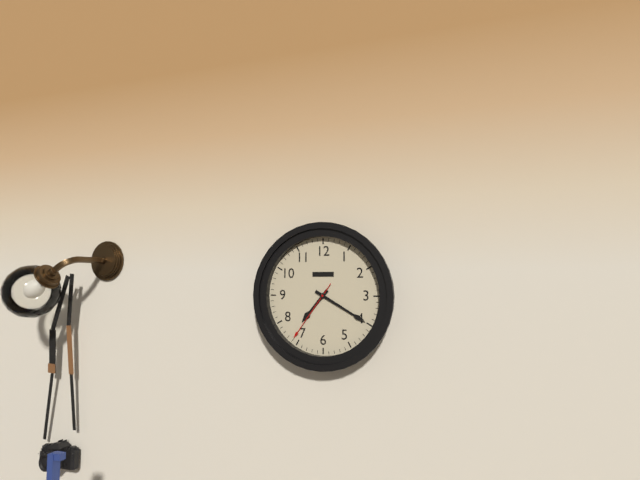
7:20:36
